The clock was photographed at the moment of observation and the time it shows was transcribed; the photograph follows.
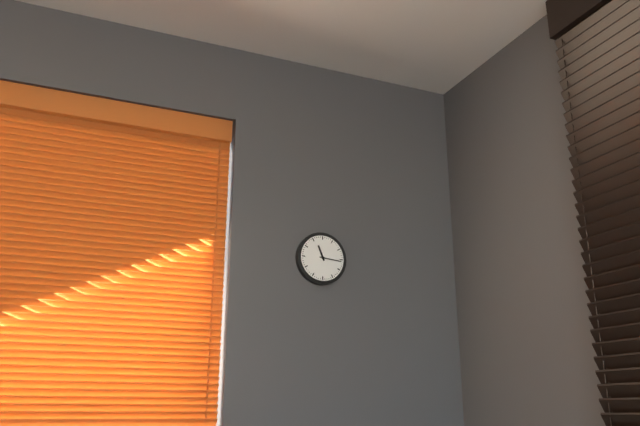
11:16
